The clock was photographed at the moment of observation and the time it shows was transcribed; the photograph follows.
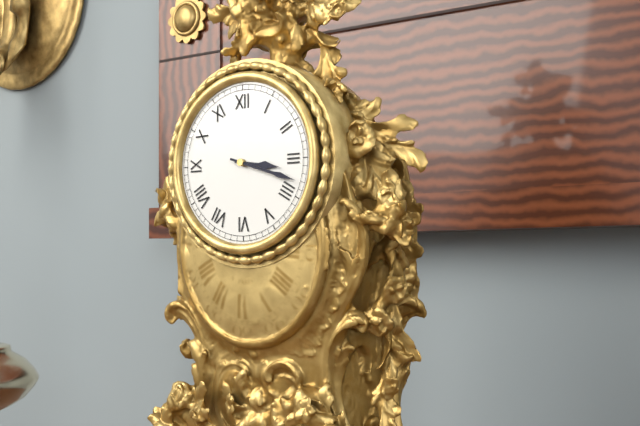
3:18
